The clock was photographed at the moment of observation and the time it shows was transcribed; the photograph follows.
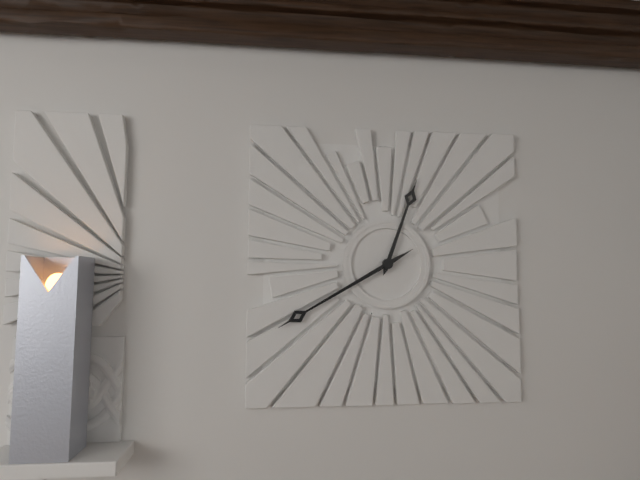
12:40
